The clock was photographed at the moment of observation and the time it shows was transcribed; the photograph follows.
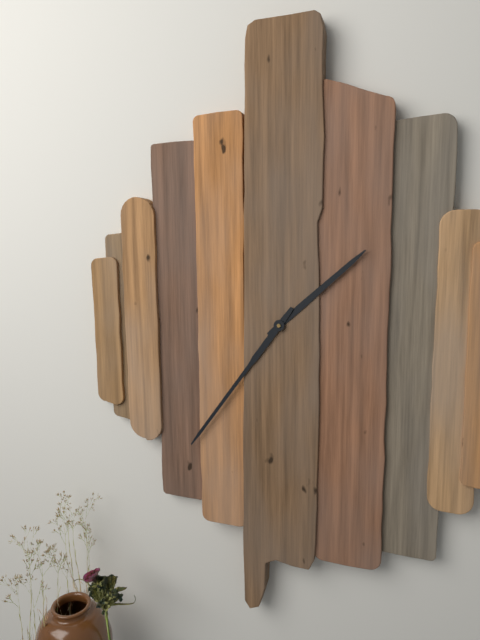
1:36
